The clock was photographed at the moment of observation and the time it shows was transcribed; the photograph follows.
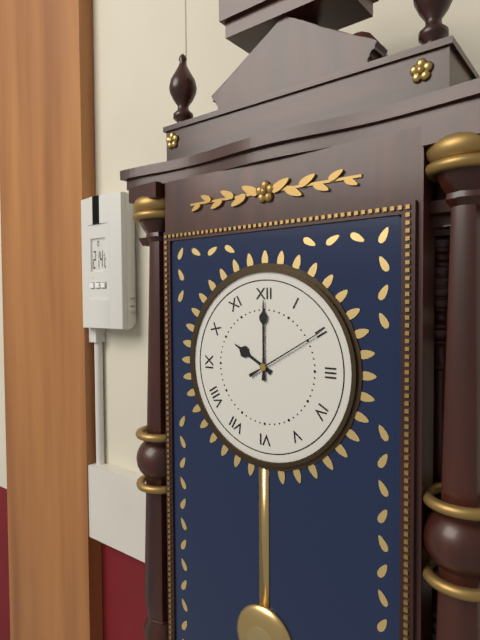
10:00:10
